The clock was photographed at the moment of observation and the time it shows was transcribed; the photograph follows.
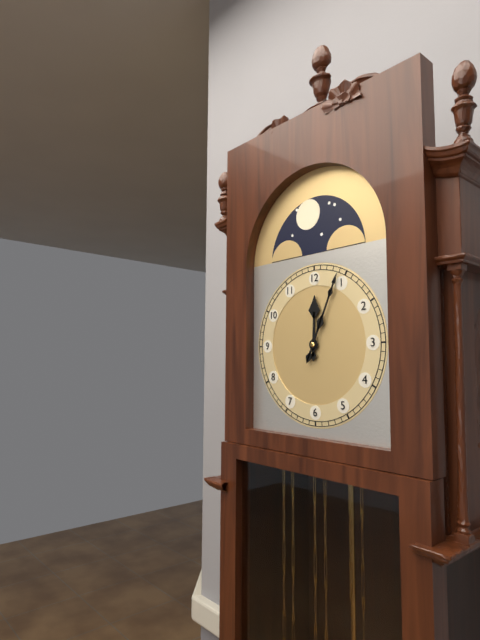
12:04
